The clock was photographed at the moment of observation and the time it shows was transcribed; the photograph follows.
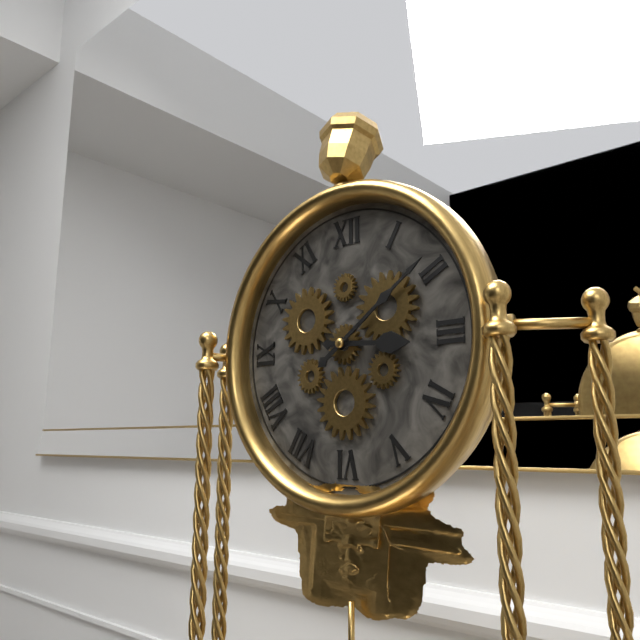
3:09
